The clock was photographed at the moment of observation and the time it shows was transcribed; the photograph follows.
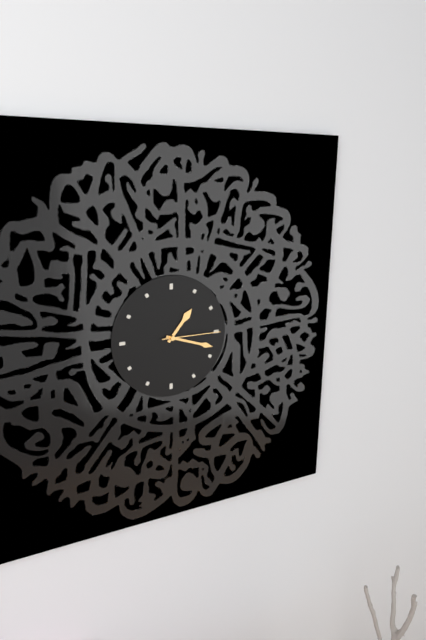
1:18:15
